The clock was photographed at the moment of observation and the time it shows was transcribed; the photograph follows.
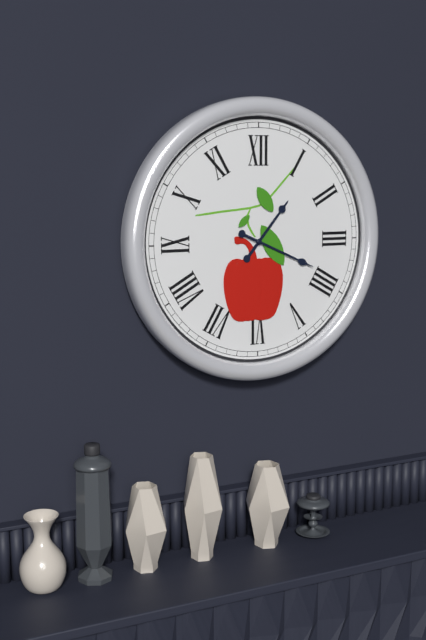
1:19
